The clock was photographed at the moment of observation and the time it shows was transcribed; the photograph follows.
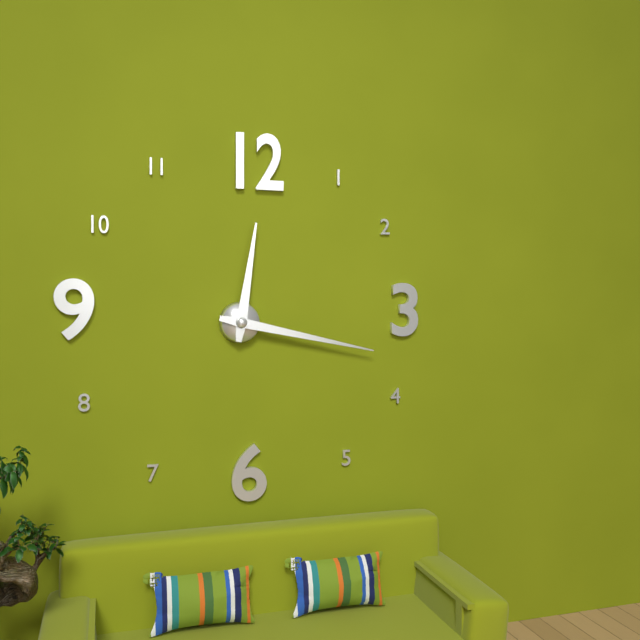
12:17
